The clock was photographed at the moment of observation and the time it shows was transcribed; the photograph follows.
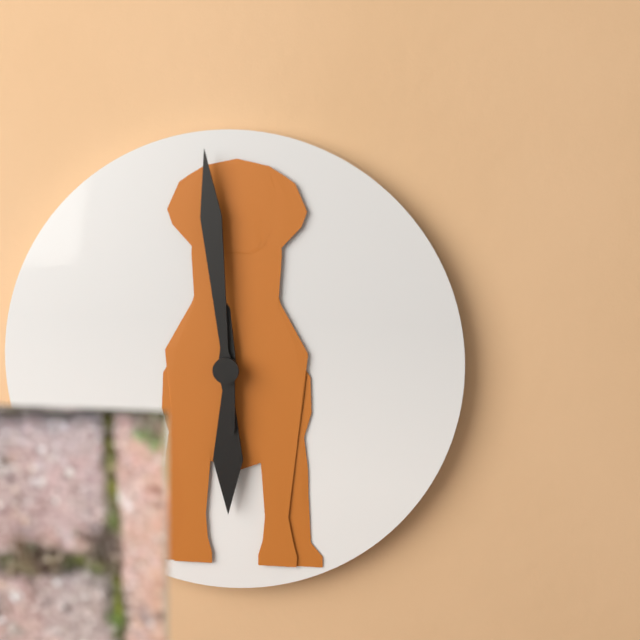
5:59
